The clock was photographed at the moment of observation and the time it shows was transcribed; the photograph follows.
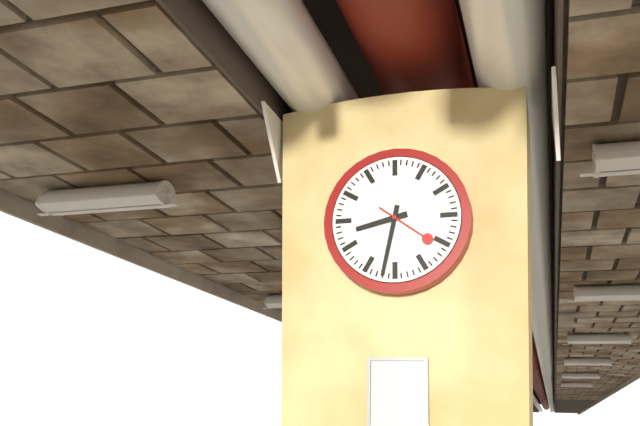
8:32:21
